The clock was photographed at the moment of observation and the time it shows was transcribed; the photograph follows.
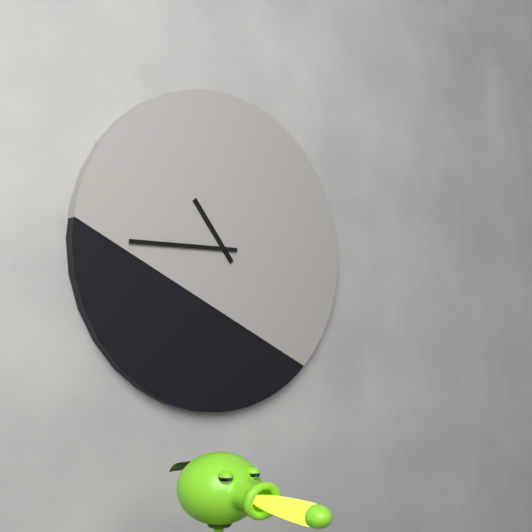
10:45
